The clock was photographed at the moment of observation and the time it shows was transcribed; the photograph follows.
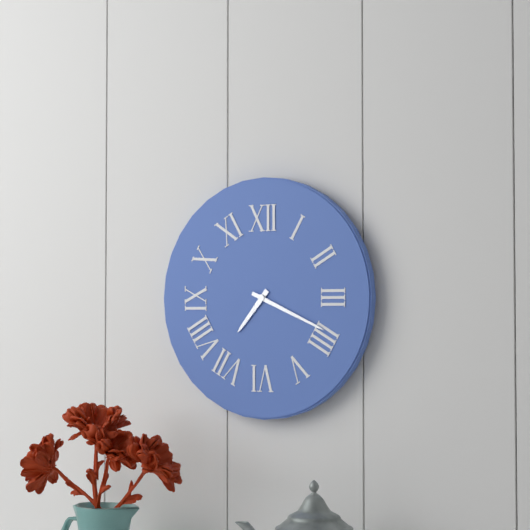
7:19
